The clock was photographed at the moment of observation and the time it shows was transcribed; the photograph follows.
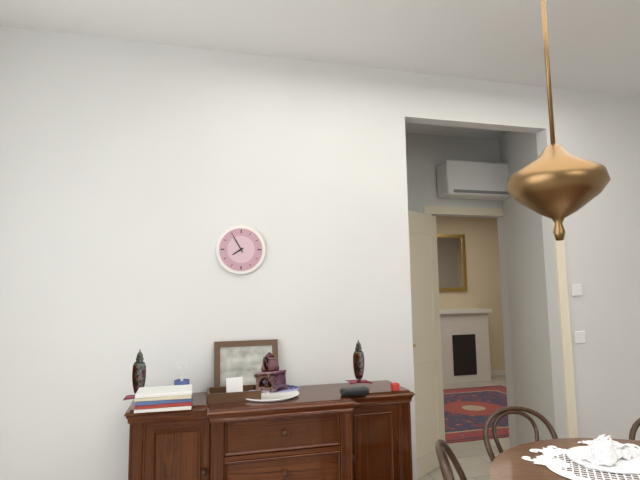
7:55
